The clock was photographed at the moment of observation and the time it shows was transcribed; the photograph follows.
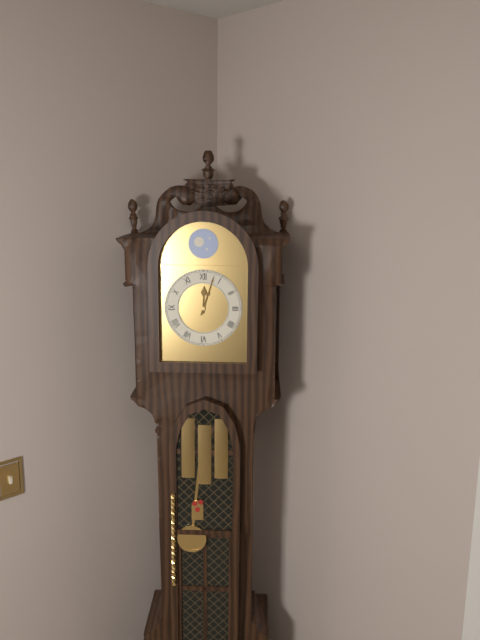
12:03
